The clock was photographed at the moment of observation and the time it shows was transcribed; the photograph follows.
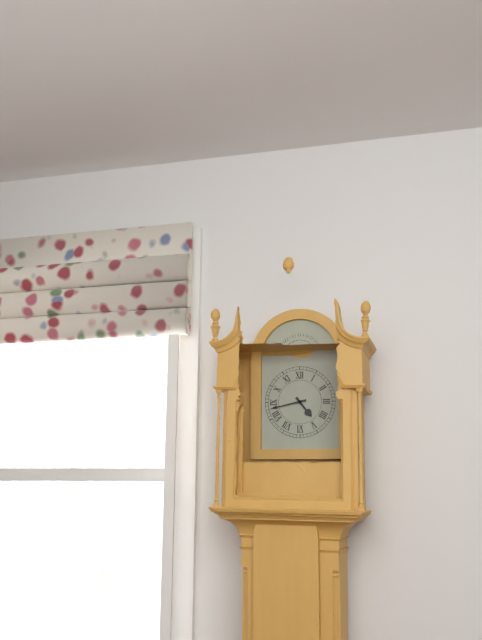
4:43
